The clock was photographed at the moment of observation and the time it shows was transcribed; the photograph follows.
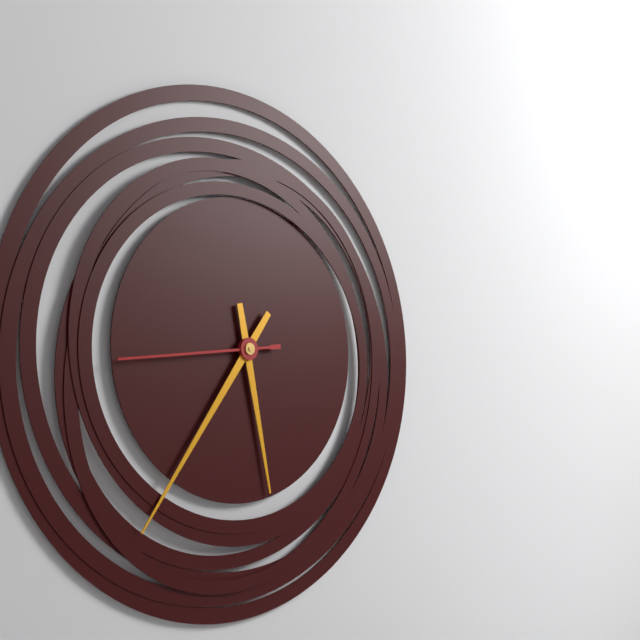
5:36:44
